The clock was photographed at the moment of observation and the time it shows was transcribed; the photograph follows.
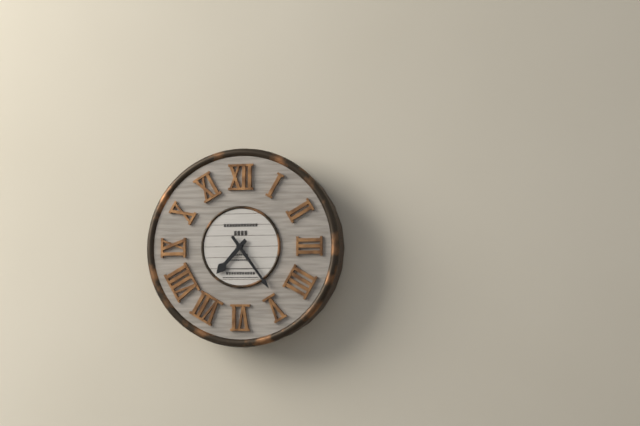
7:24
